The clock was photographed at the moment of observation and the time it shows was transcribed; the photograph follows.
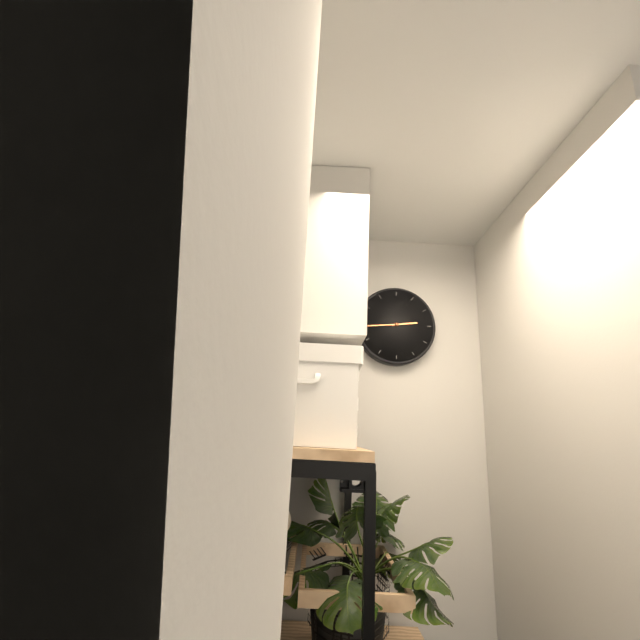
2:44
